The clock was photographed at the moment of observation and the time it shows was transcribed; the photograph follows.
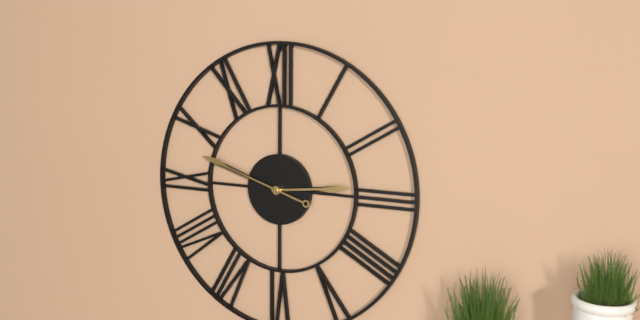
2:48
